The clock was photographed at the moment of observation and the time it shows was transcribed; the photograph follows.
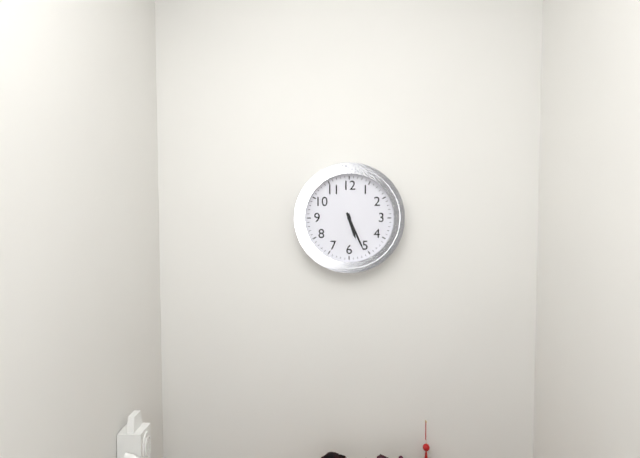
5:26
